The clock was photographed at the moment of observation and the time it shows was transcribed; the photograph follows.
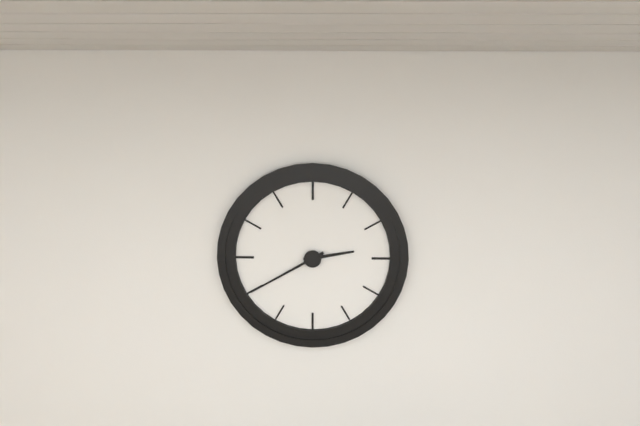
2:40
